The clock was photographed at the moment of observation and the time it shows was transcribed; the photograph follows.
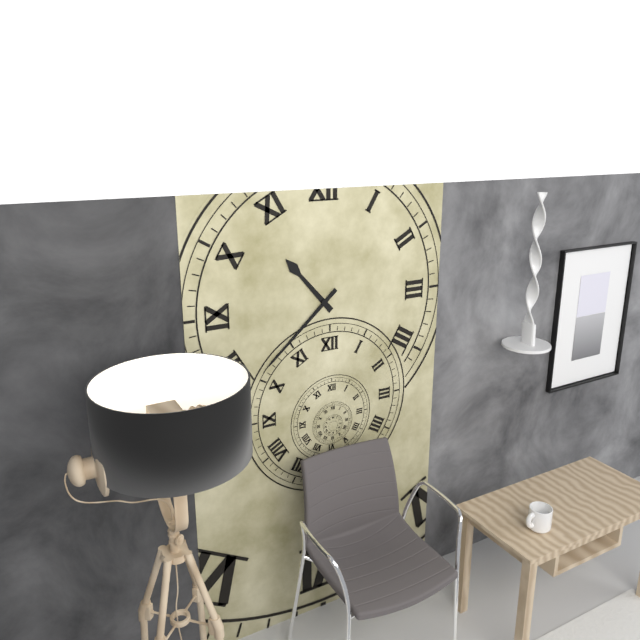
10:38
